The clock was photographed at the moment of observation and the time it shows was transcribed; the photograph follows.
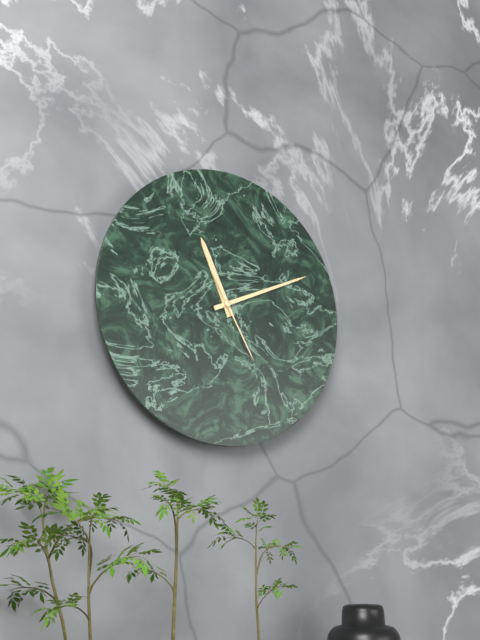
11:11:25
